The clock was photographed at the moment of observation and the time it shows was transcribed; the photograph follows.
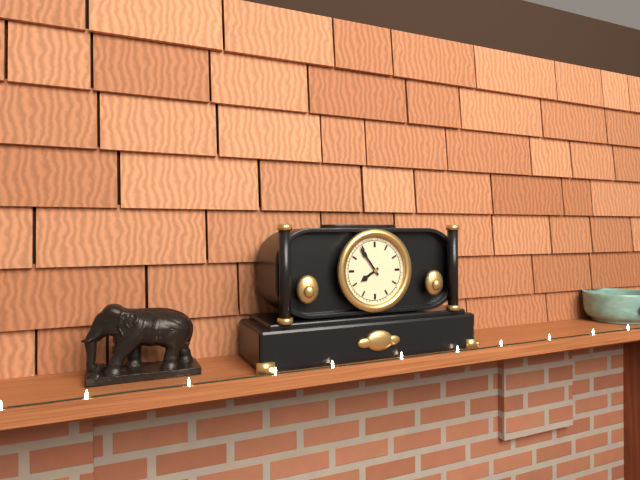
7:54
